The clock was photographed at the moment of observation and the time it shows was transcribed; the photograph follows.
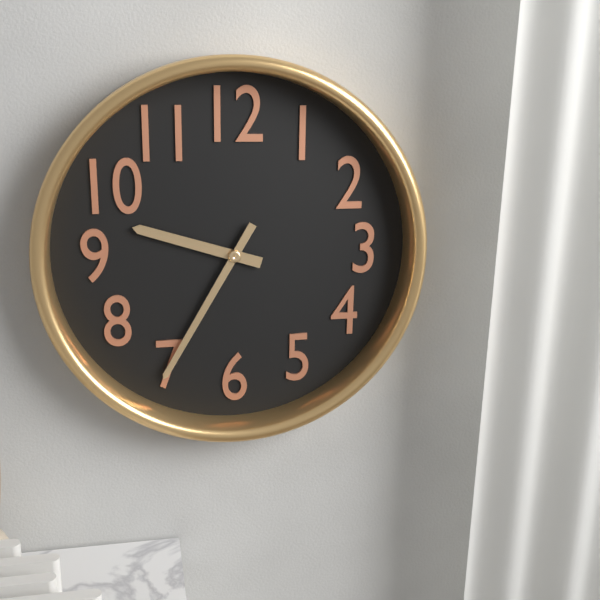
9:35
